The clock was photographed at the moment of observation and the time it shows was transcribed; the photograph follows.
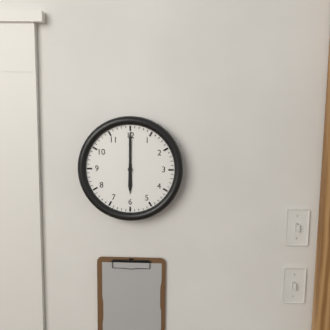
6:00
